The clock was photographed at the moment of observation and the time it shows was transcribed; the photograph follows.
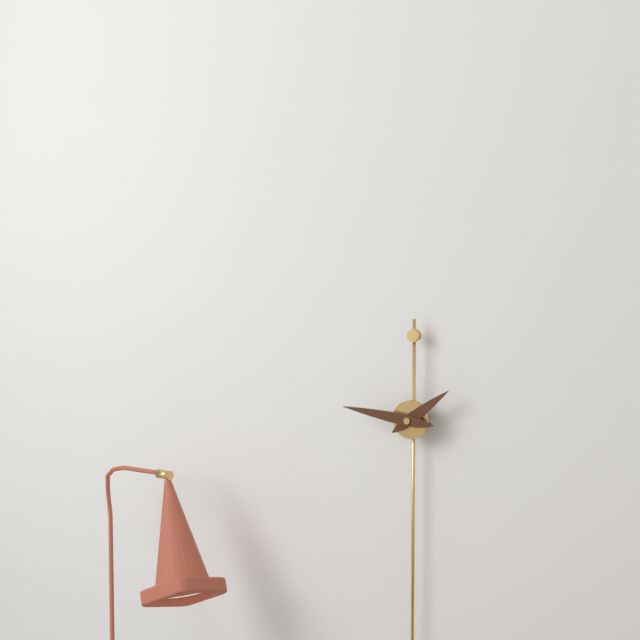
1:46
